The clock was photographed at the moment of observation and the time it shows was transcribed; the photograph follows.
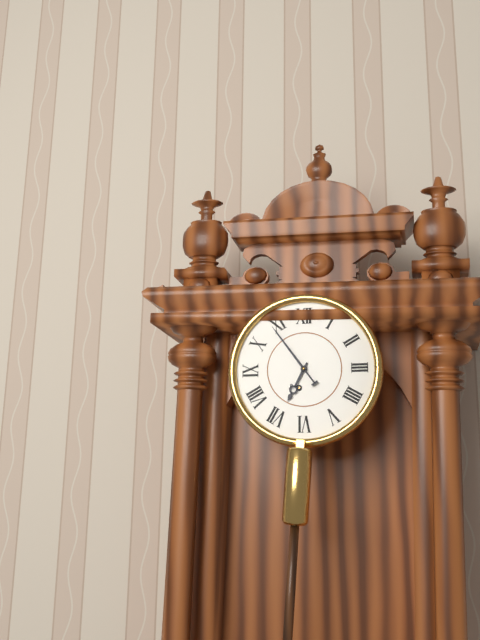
6:54
